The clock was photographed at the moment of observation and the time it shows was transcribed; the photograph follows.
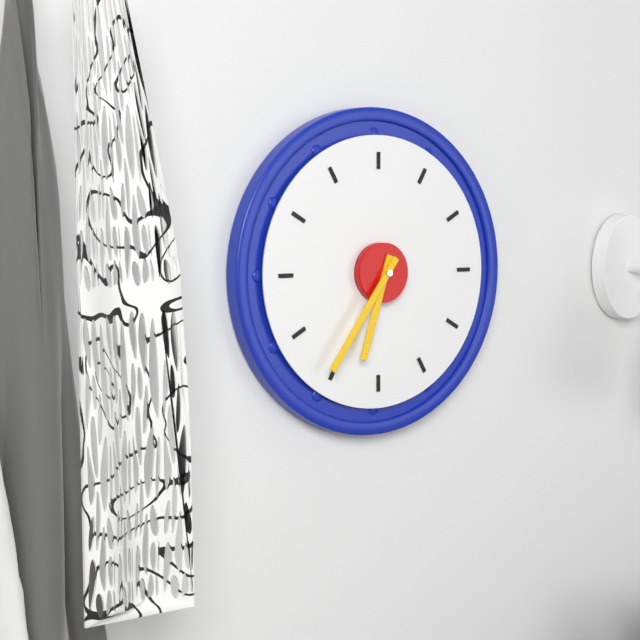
6:36
